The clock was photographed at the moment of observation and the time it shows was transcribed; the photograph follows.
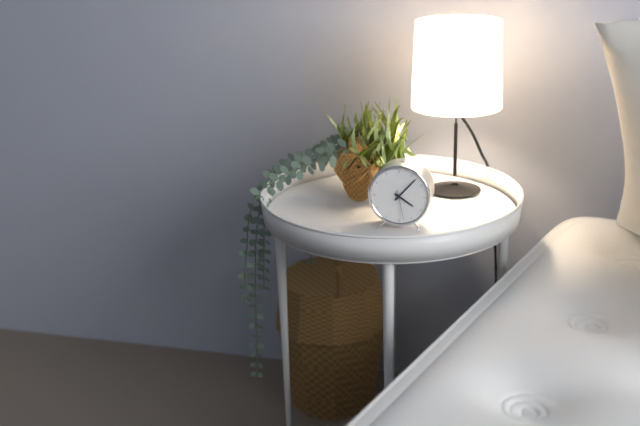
4:07
